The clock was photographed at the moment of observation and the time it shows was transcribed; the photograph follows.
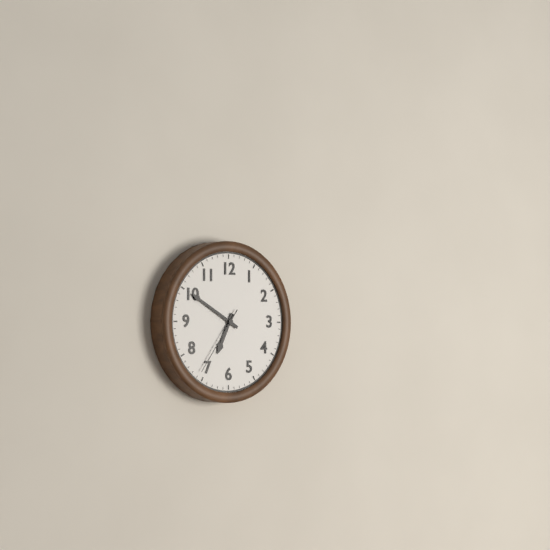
6:50:36
